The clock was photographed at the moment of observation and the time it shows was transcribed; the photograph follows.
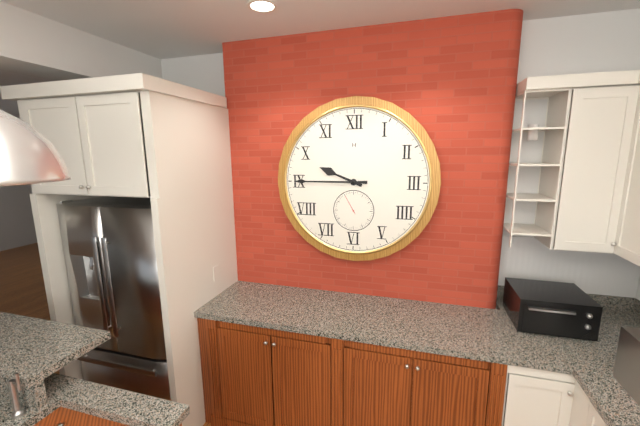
9:45
